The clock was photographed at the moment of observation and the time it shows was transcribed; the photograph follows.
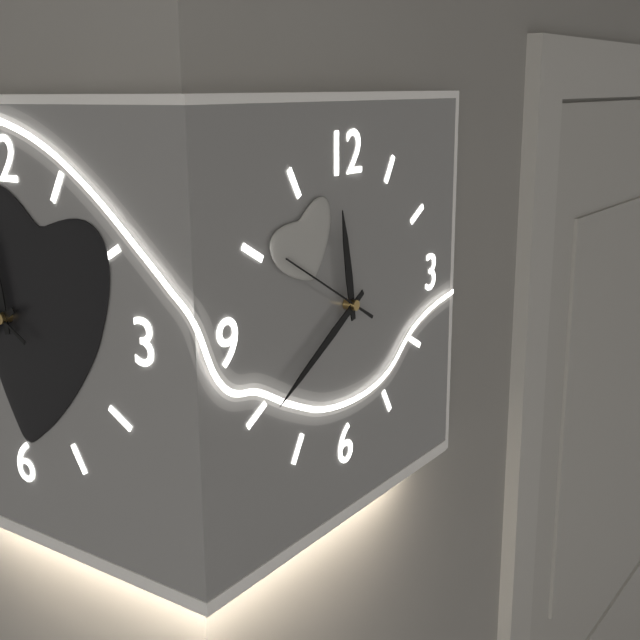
11:40:50
